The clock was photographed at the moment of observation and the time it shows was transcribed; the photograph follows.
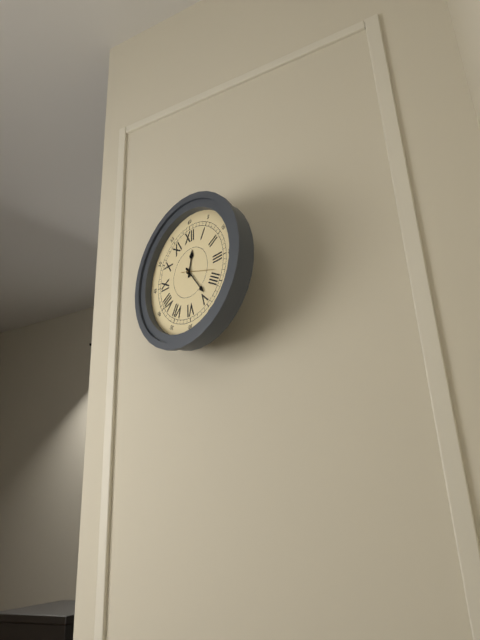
12:24
